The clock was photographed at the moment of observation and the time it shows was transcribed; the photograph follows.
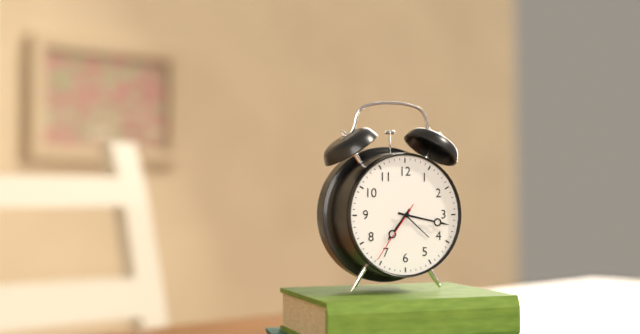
7:17:36
